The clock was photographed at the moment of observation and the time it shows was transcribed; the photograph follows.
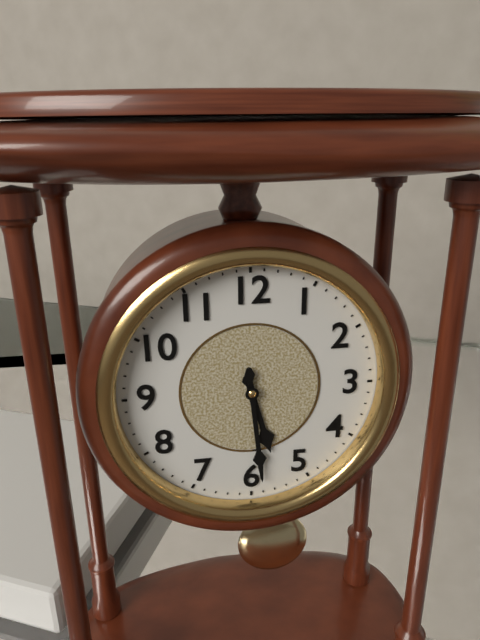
5:29
